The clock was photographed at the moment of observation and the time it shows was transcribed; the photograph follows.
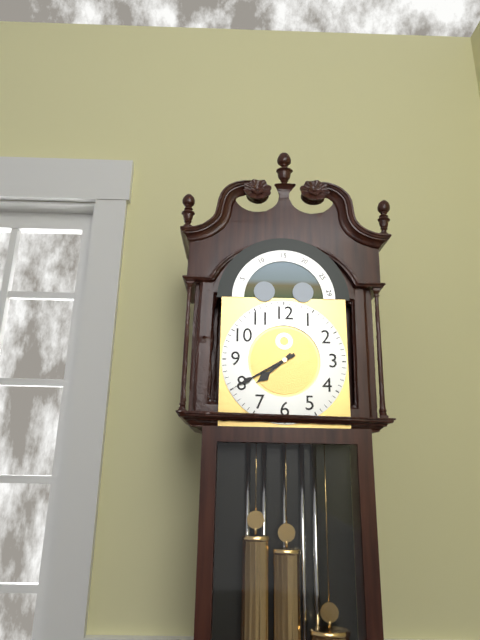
7:40
